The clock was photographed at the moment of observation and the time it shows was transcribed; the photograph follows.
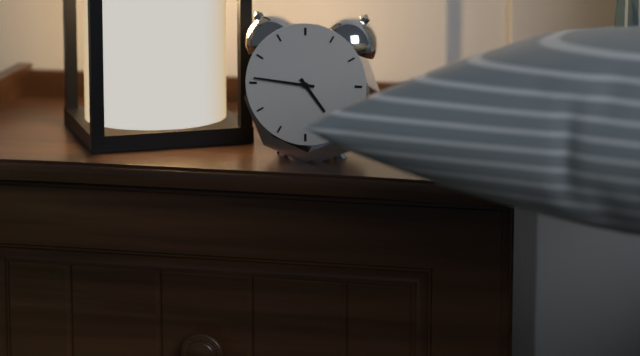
4:46
